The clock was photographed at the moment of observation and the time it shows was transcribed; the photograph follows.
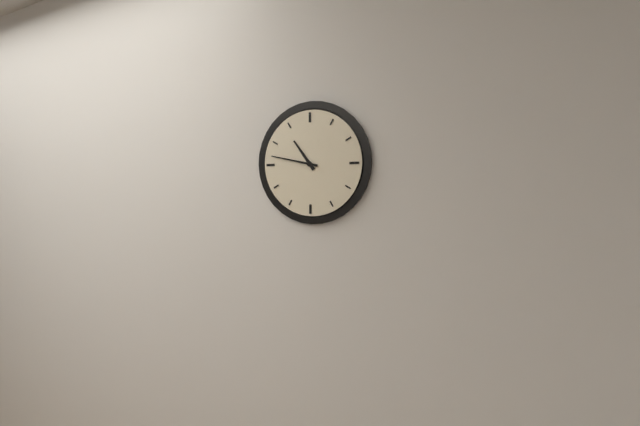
10:47
